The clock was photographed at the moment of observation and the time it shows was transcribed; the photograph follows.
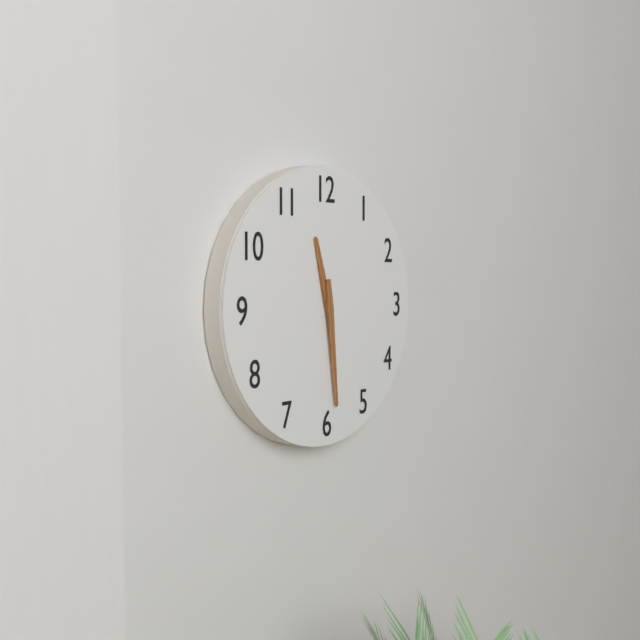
11:29
